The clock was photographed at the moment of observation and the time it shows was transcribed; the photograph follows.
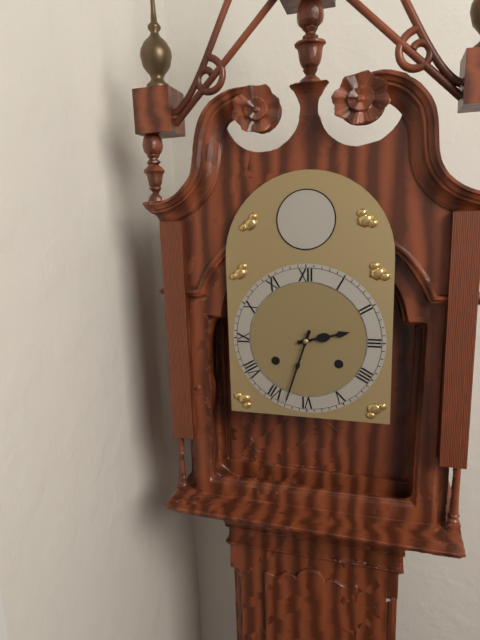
2:33
